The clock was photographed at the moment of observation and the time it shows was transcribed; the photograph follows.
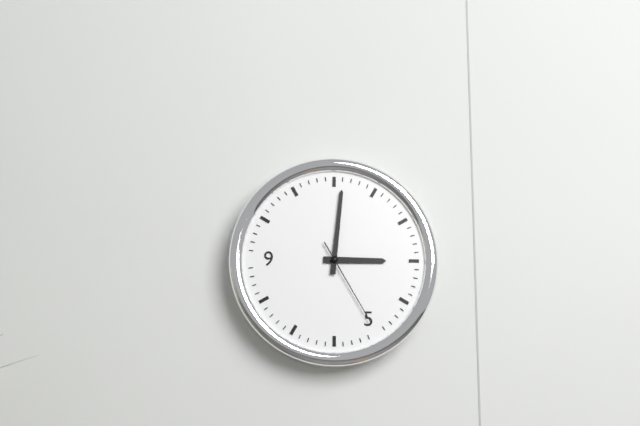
3:01:25
